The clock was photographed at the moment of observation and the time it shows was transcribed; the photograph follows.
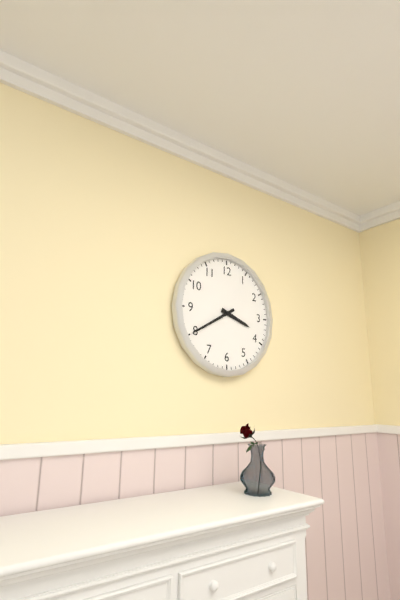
3:40
